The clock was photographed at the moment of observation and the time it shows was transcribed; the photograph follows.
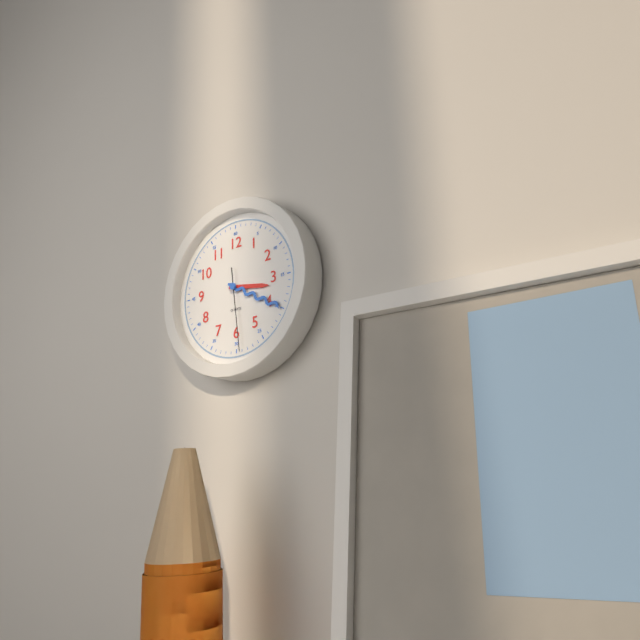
3:20:29
